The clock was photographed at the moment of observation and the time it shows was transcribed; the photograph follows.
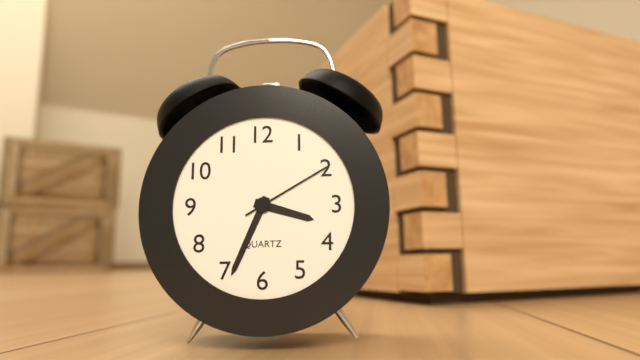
3:34:10
